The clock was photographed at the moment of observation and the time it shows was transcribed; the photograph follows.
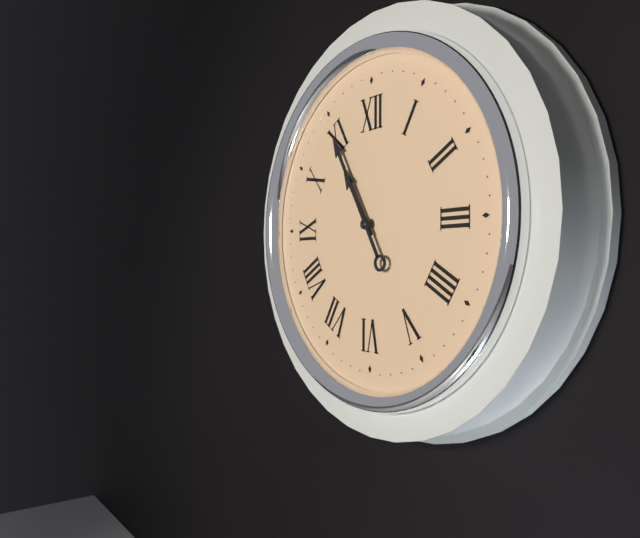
10:55
